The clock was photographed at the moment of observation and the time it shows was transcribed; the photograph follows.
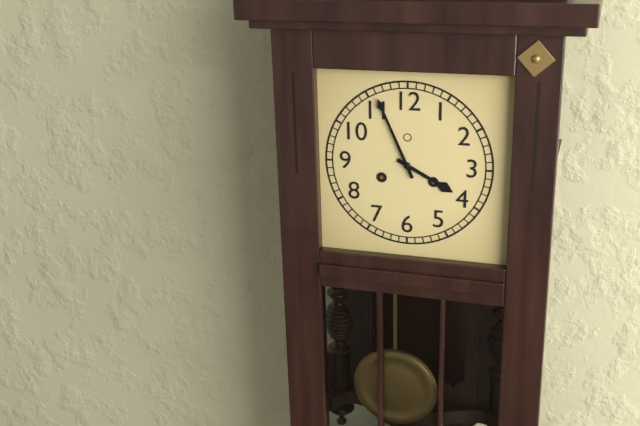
3:56
